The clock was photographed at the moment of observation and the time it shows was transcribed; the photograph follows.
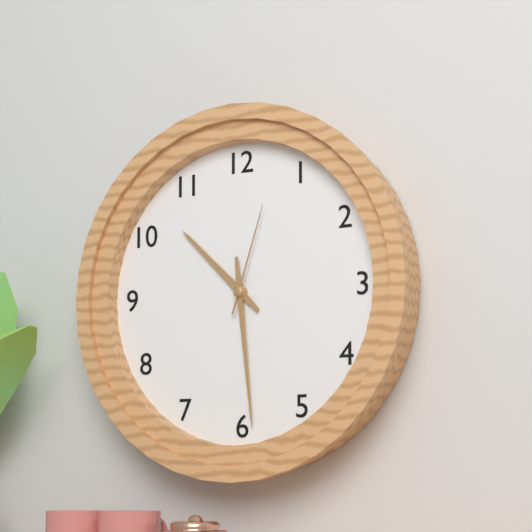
10:29:03
